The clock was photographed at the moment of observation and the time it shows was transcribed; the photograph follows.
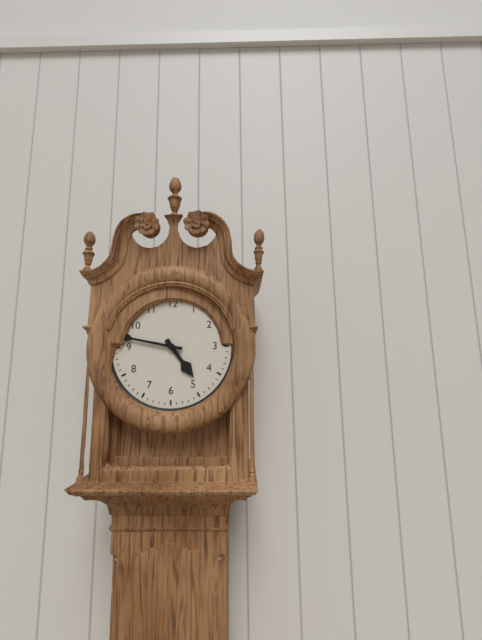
4:47
